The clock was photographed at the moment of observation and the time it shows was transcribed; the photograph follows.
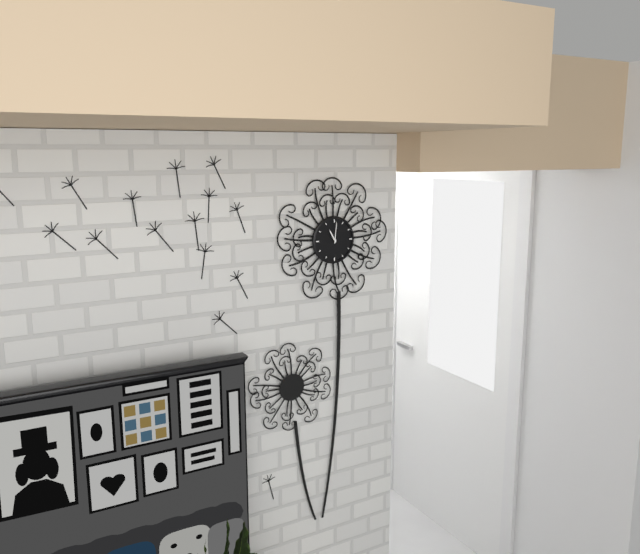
11:01
